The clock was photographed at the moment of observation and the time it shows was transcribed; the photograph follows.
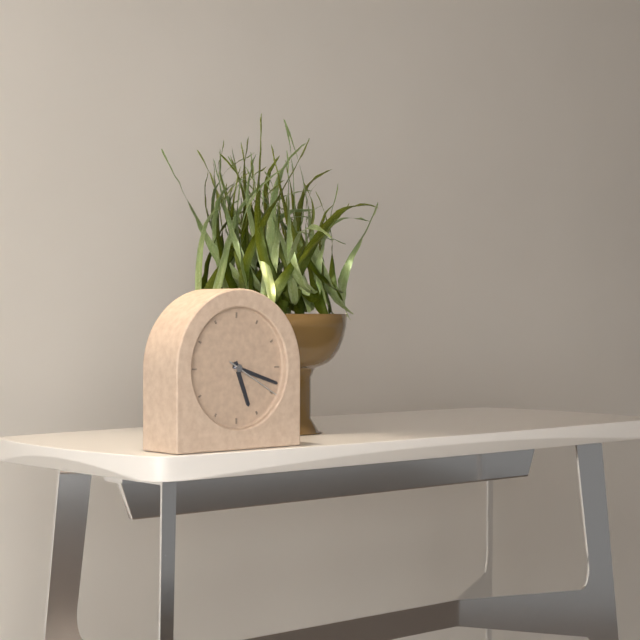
5:18:20
